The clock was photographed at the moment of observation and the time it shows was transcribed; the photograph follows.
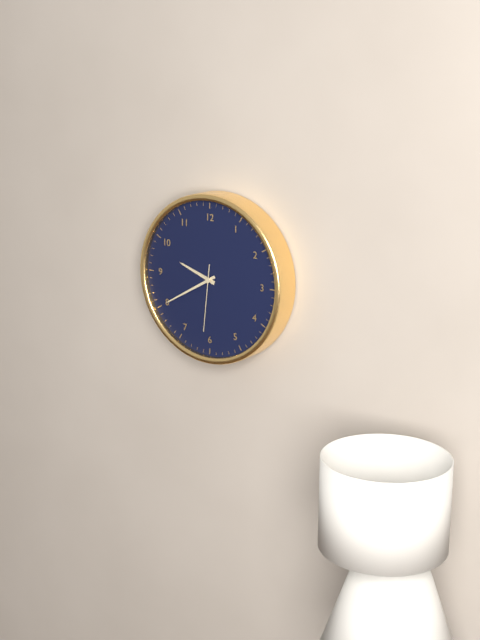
9:40:31
